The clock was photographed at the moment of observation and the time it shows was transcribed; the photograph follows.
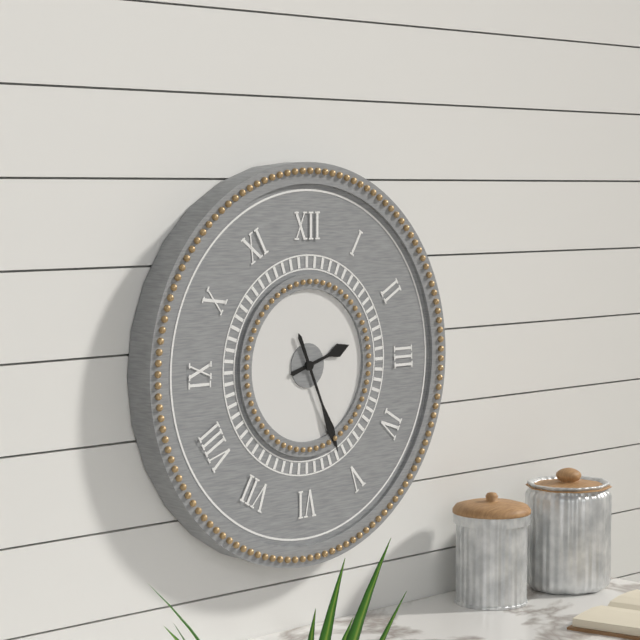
2:26
